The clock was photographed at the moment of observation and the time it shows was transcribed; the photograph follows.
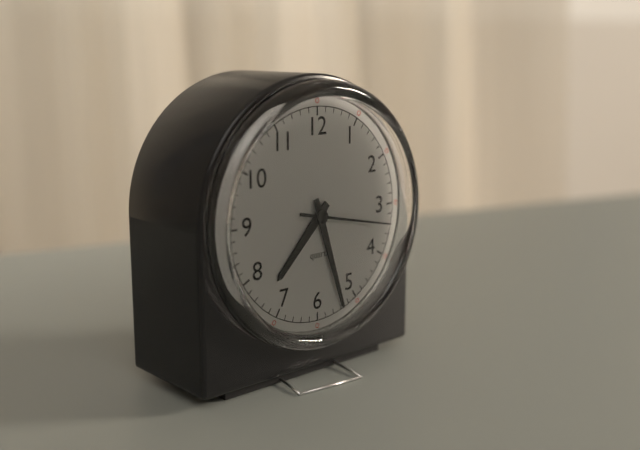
7:27:17
